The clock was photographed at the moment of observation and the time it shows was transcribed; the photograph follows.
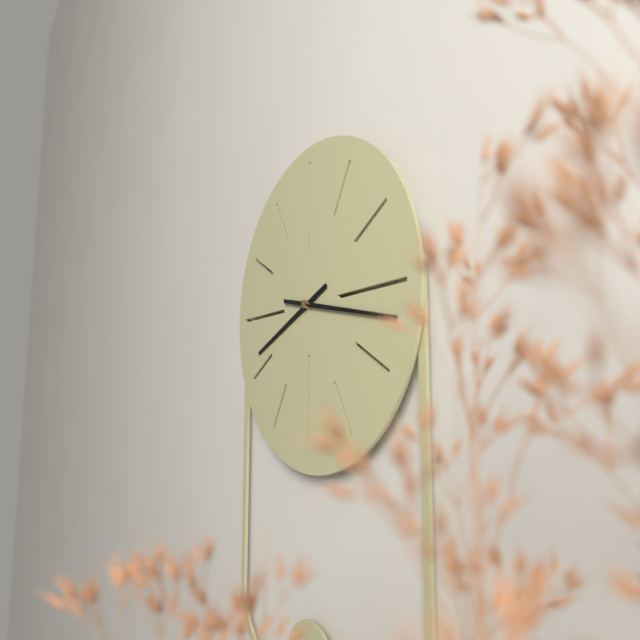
8:17
